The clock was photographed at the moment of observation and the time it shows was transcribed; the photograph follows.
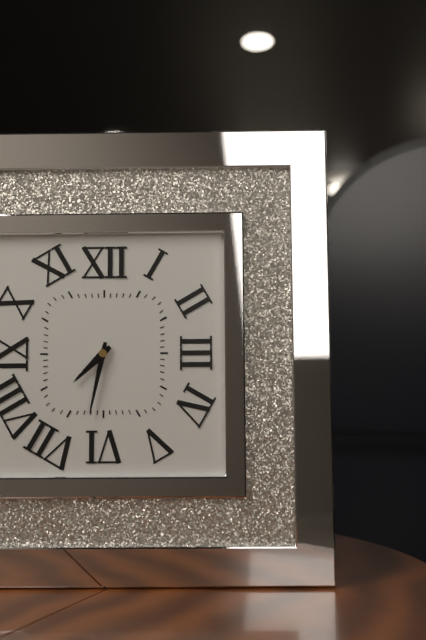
7:32
